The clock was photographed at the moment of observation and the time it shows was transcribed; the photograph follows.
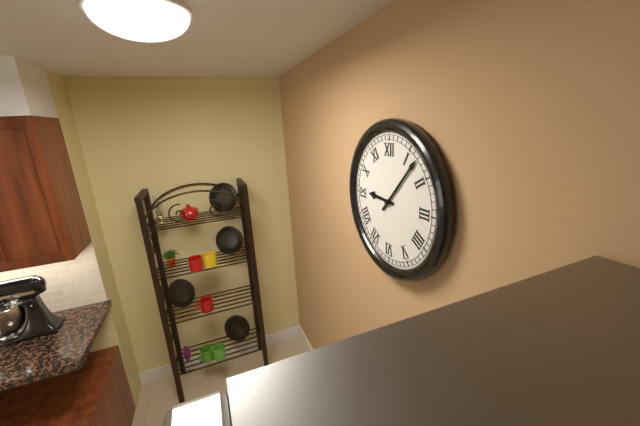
9:07
